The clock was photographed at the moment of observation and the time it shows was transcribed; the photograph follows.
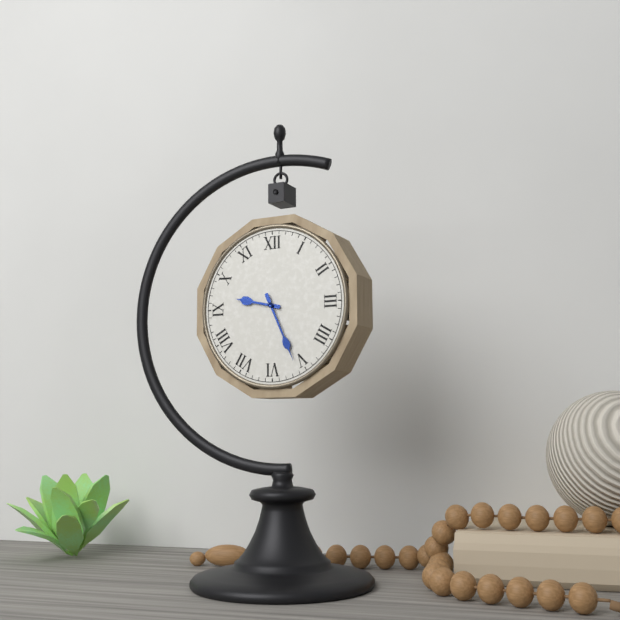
9:26
